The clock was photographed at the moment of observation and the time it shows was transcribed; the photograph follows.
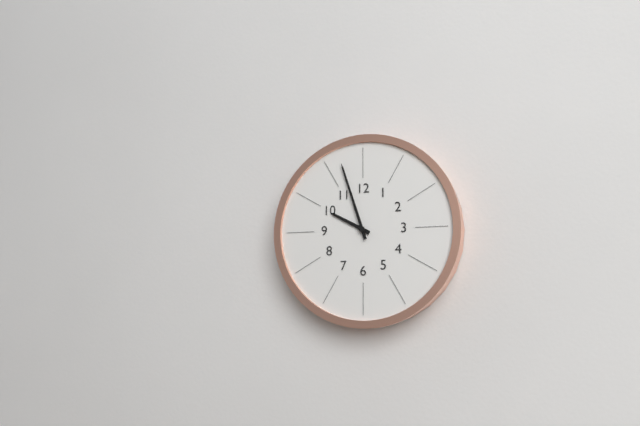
9:57
